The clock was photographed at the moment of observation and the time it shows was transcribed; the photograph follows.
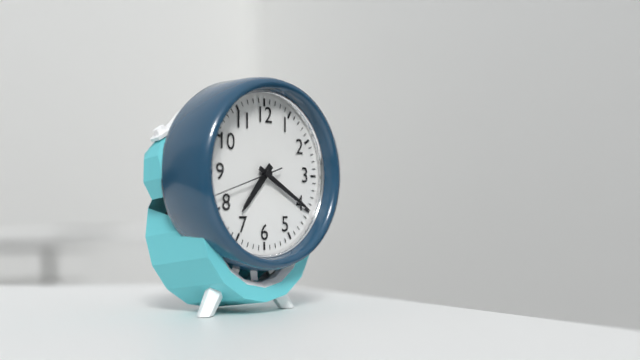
7:20:42
